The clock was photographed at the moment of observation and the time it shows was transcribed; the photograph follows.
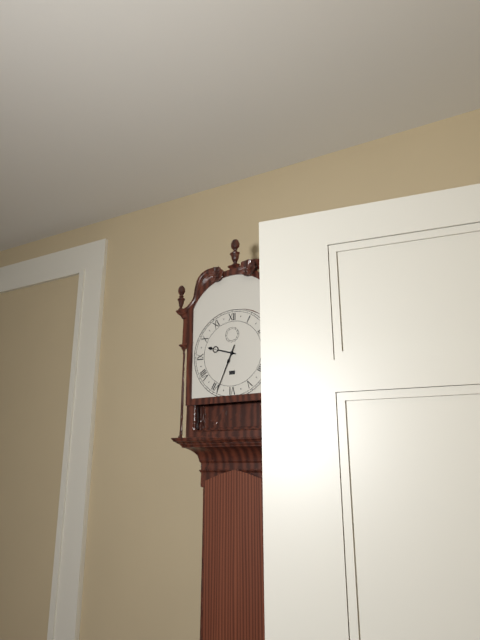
9:34
